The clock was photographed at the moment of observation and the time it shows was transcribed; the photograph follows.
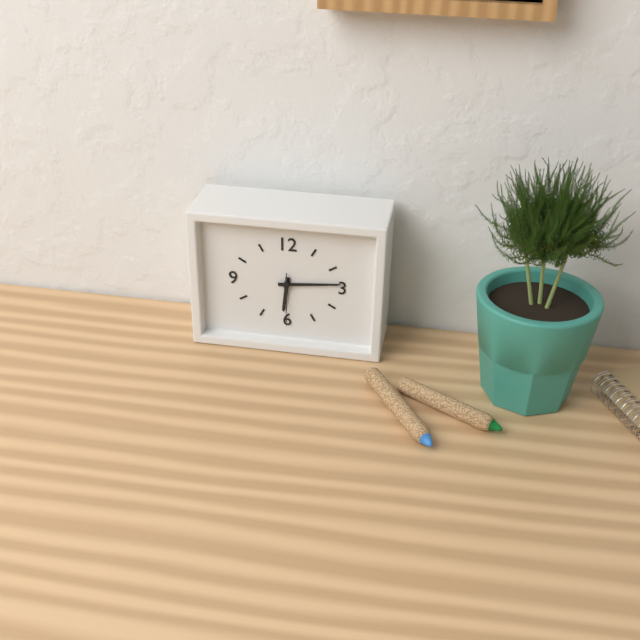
6:14:30
